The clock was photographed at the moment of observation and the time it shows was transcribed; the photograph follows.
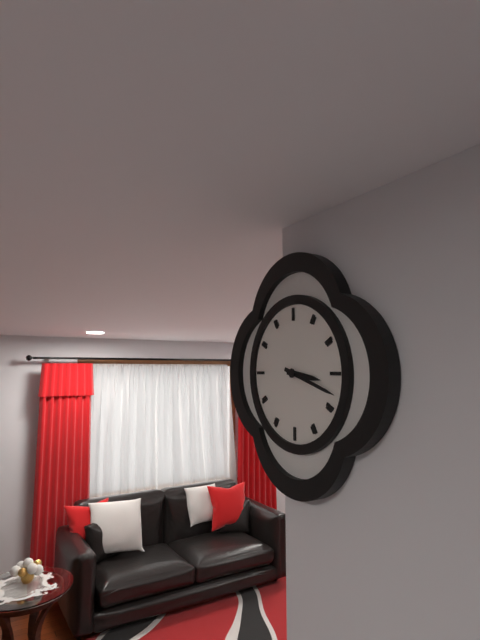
3:18
